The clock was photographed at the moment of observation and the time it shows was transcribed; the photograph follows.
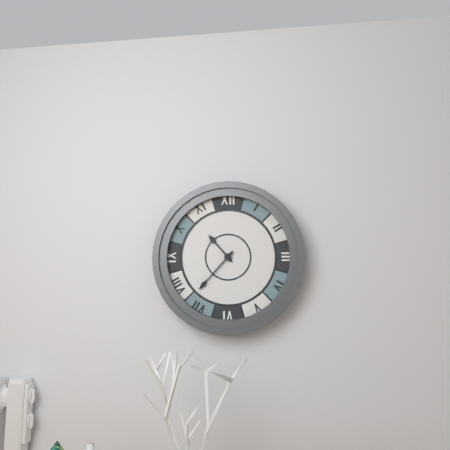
10:37
